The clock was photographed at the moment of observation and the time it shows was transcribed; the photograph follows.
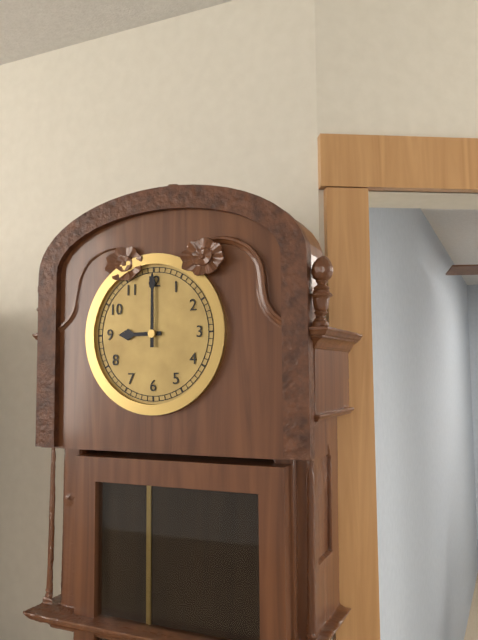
9:00
